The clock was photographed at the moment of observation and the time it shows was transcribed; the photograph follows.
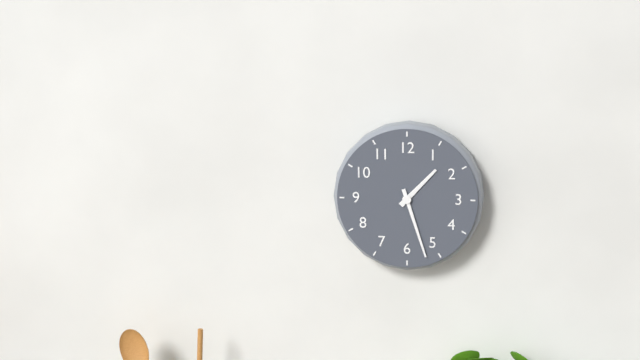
1:27
